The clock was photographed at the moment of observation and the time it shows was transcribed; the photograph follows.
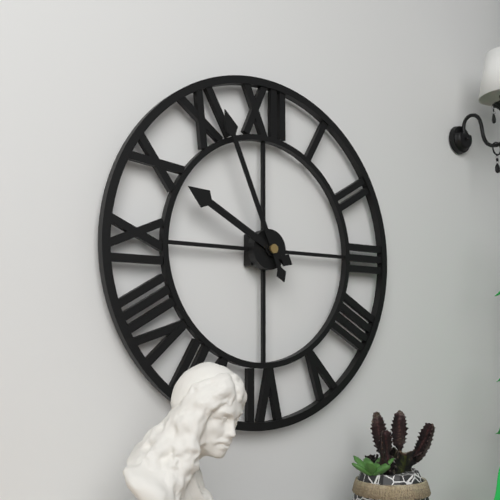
9:56
